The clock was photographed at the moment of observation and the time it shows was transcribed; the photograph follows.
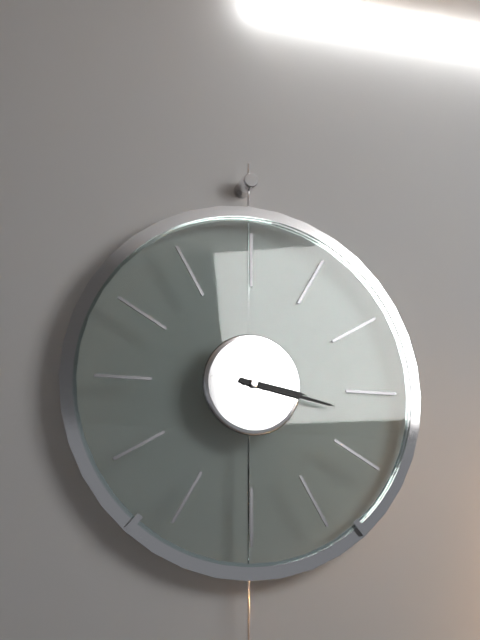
3:17
